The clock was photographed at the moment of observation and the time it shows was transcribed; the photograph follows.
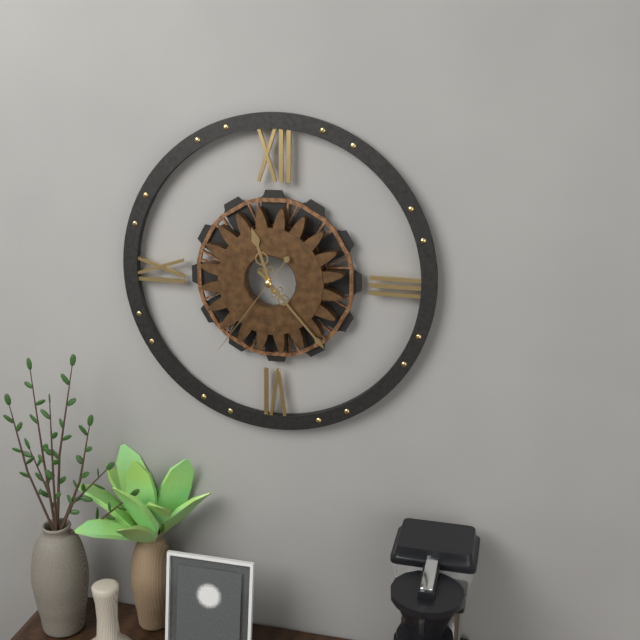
11:23:36
